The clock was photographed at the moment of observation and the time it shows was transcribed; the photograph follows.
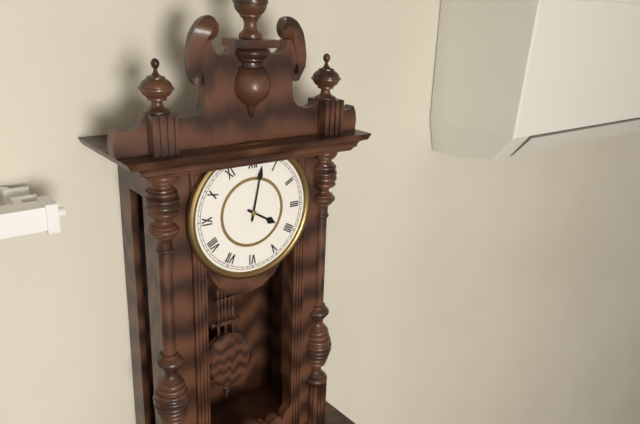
4:02
